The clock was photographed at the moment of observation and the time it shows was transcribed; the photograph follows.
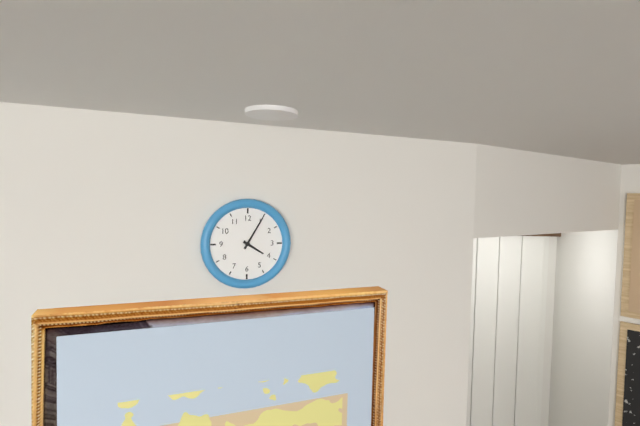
4:05
